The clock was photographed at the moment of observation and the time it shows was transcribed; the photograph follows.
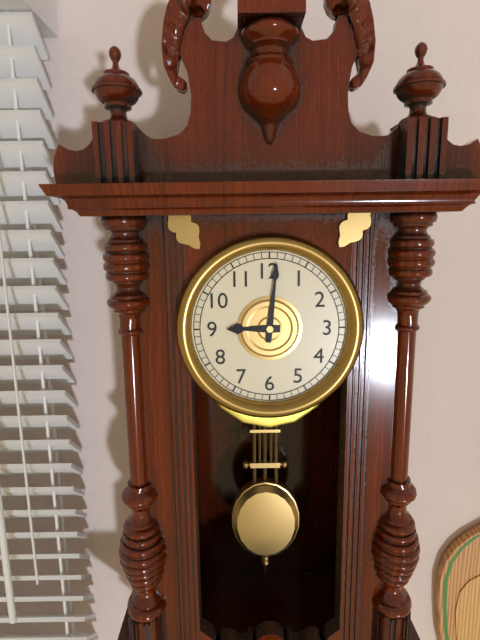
9:01
